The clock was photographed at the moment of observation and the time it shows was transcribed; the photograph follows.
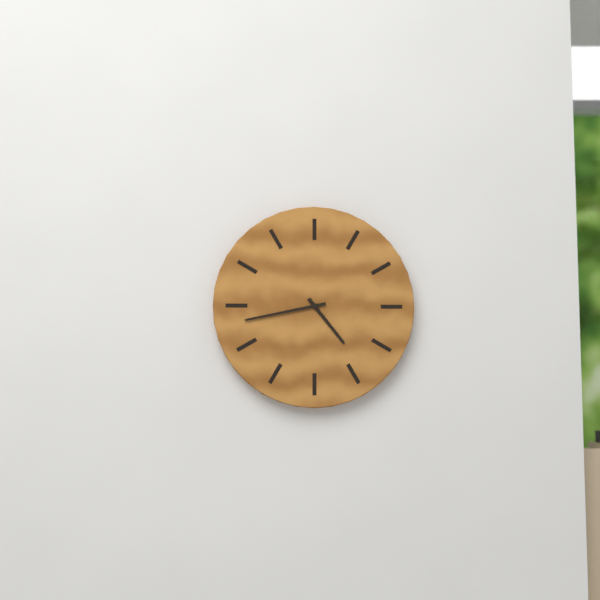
4:43
